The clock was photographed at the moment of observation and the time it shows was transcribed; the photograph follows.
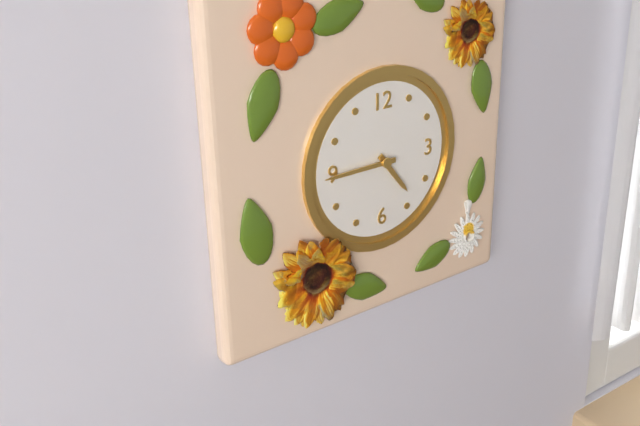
4:45
